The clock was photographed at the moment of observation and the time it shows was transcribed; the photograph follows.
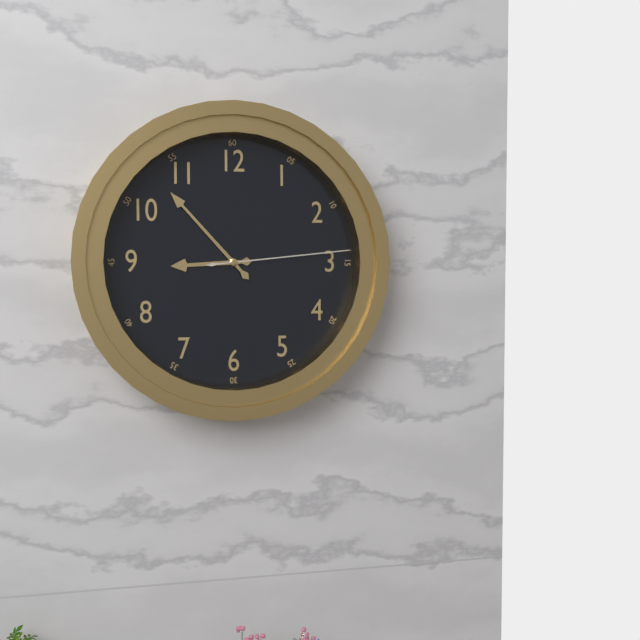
8:53:14
